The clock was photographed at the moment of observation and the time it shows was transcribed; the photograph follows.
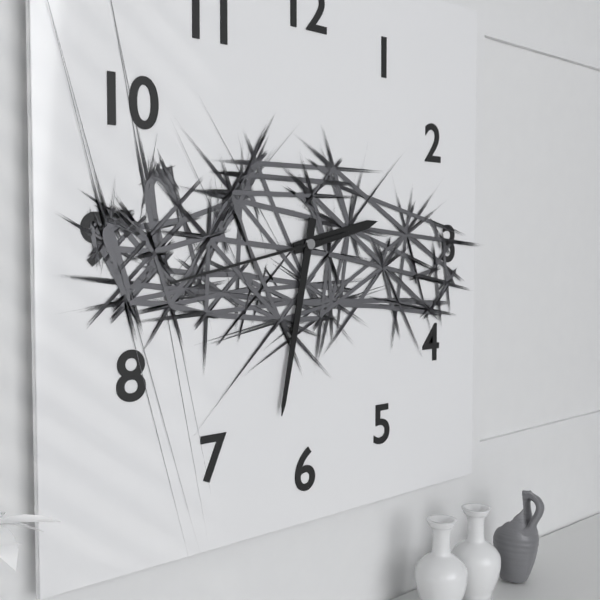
2:32:43
